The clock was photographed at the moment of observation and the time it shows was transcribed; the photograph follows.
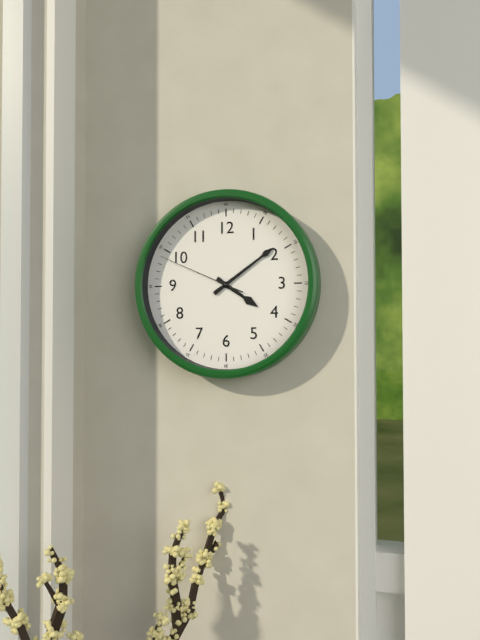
4:09:49
